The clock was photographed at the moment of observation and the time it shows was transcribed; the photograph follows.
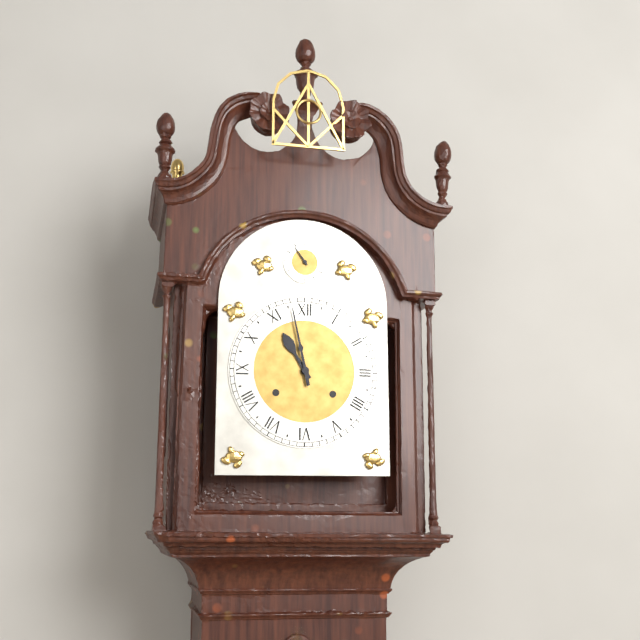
10:58
